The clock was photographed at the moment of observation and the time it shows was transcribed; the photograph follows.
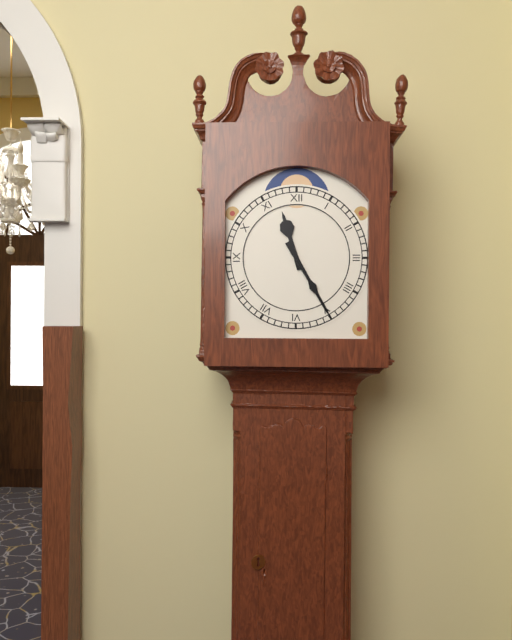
11:25
